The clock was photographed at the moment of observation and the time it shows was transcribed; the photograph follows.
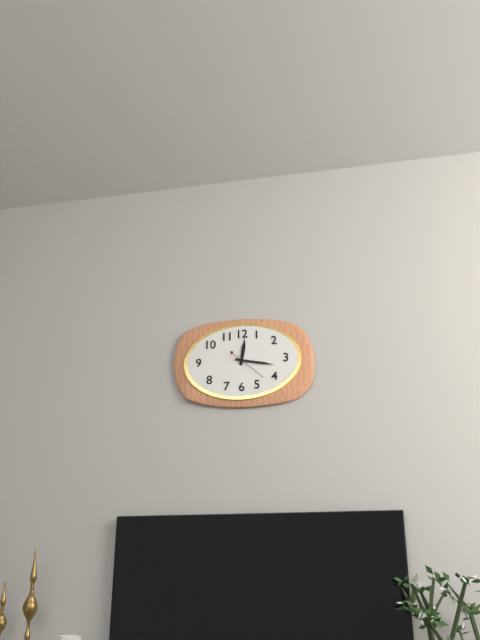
12:17
